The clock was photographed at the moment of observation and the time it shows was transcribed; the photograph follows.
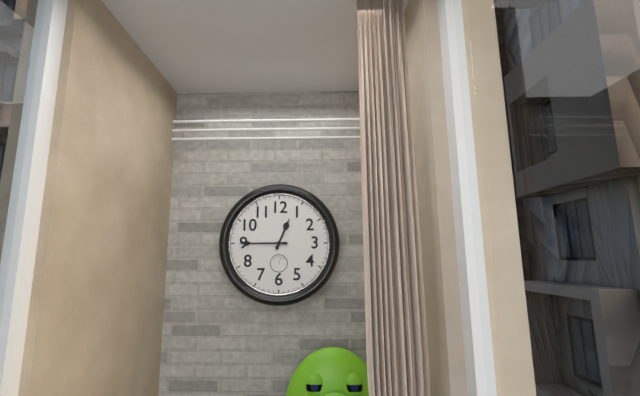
12:45
